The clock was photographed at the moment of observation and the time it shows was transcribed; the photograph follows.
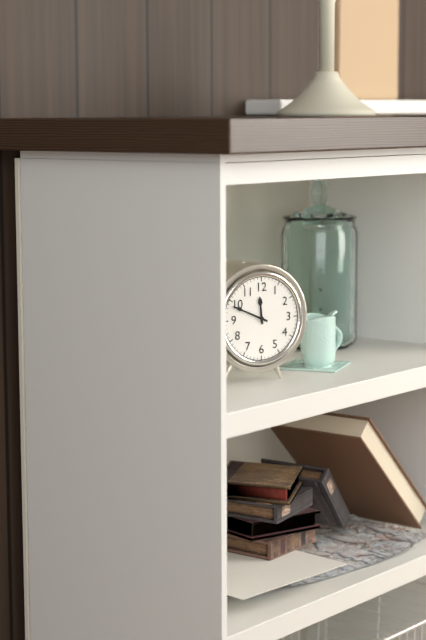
11:49
